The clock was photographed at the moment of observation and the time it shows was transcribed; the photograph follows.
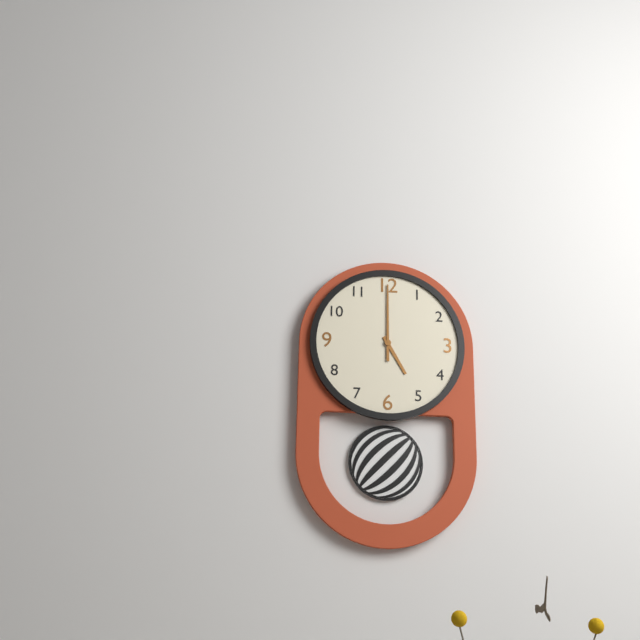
5:00
